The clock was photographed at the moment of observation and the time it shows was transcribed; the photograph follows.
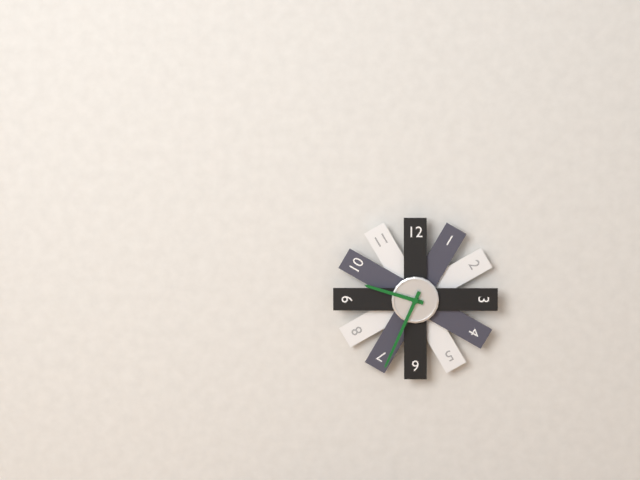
9:34
